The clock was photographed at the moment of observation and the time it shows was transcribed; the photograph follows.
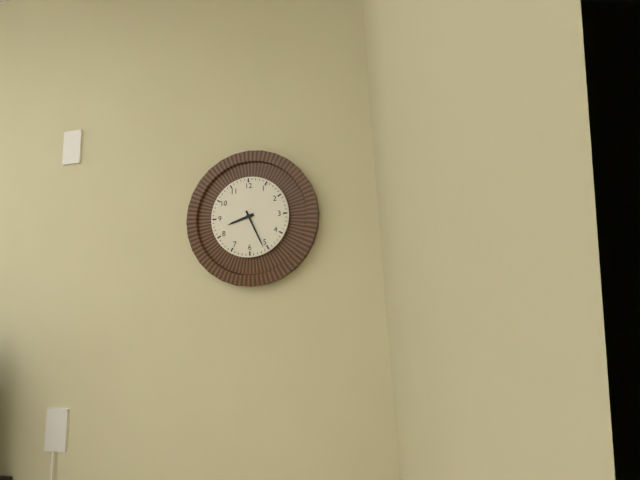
8:26
